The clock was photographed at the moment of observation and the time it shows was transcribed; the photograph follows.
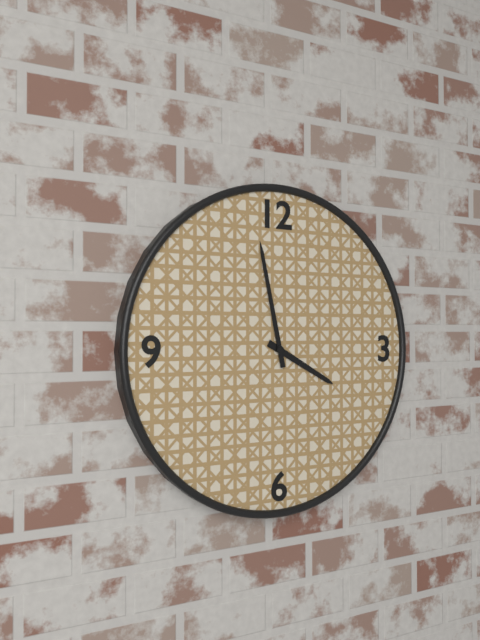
3:58
